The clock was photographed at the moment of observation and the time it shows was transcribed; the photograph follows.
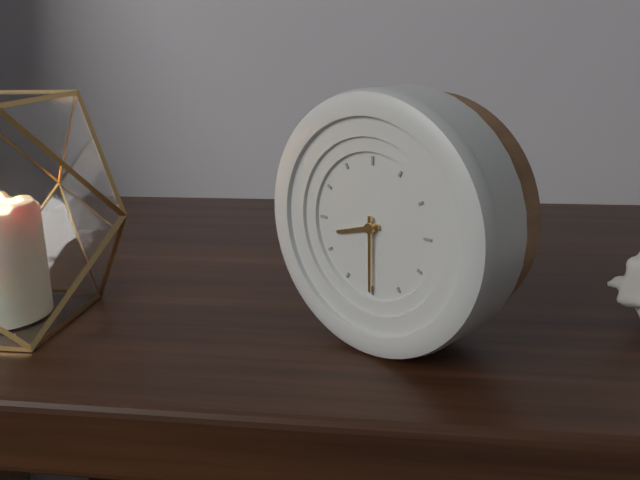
8:30
